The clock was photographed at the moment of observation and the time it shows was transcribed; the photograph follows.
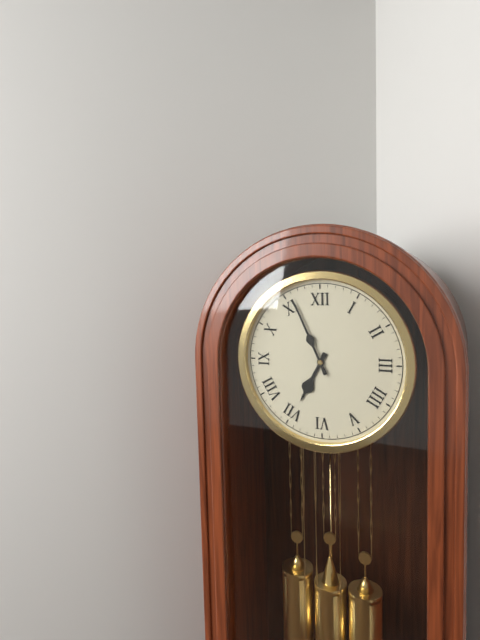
6:56
